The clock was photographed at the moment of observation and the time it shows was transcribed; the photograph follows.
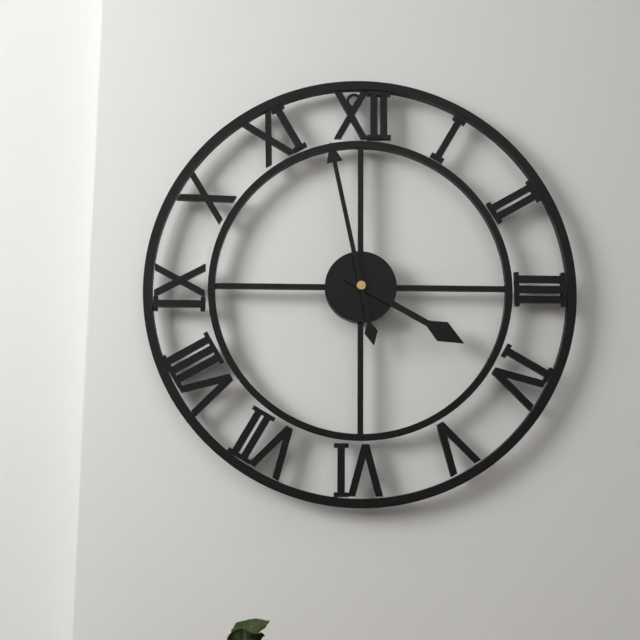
3:58
